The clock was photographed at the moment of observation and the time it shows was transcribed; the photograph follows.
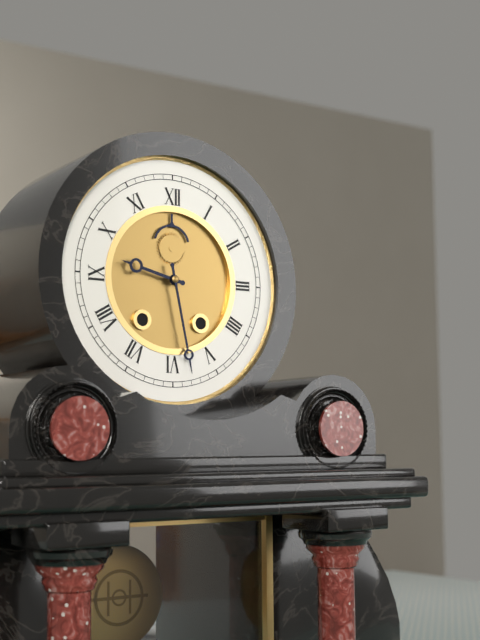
9:28
